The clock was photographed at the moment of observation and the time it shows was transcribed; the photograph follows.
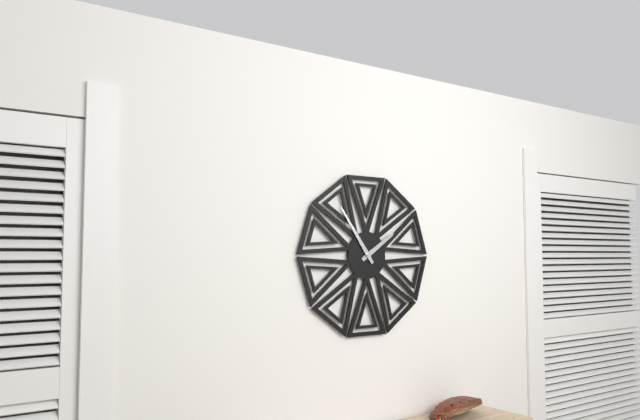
1:54
